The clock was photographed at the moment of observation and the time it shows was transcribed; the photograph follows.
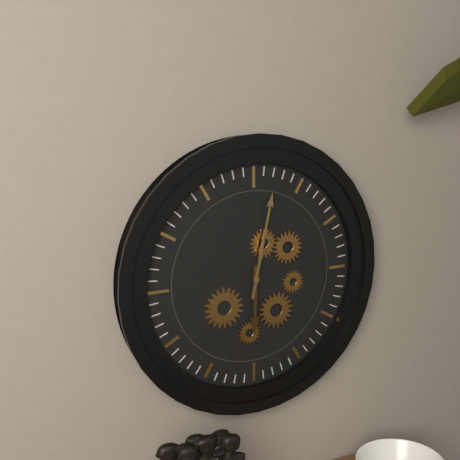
6:02
